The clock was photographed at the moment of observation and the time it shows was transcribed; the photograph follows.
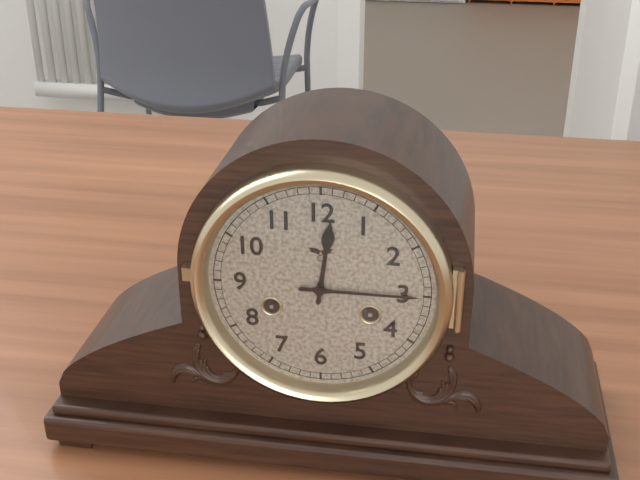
12:15
